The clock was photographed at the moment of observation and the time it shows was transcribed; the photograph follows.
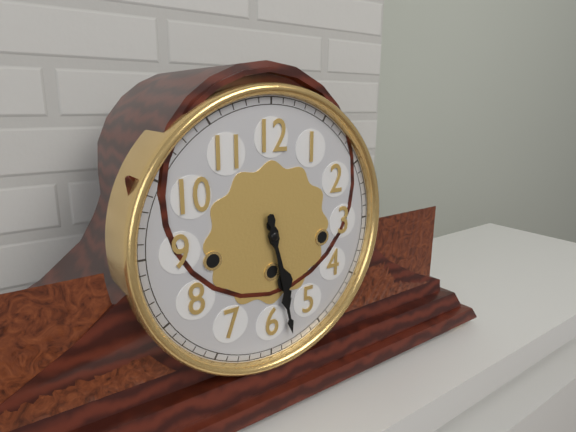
5:28
